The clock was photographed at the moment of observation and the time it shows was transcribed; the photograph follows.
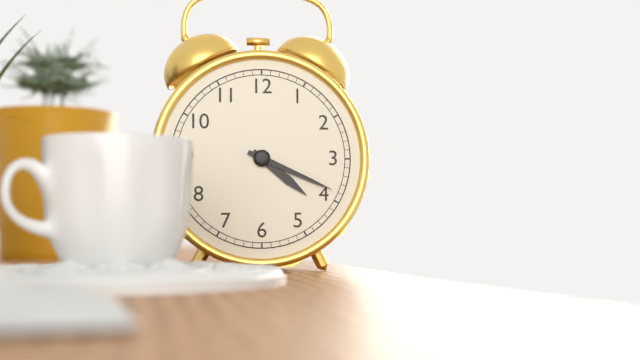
4:19
